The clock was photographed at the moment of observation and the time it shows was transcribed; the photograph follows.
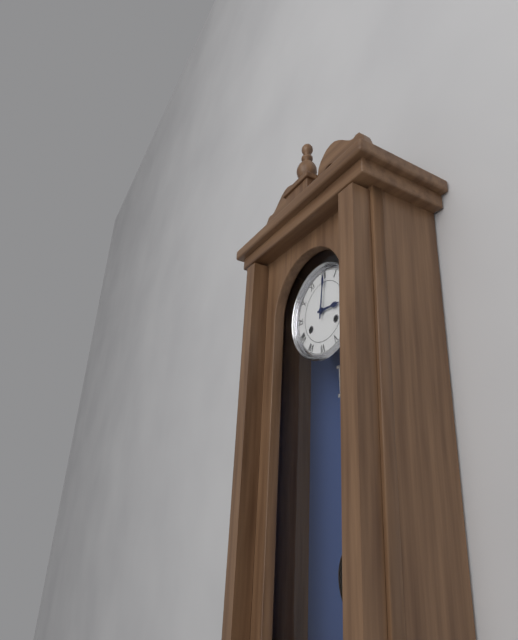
3:01
